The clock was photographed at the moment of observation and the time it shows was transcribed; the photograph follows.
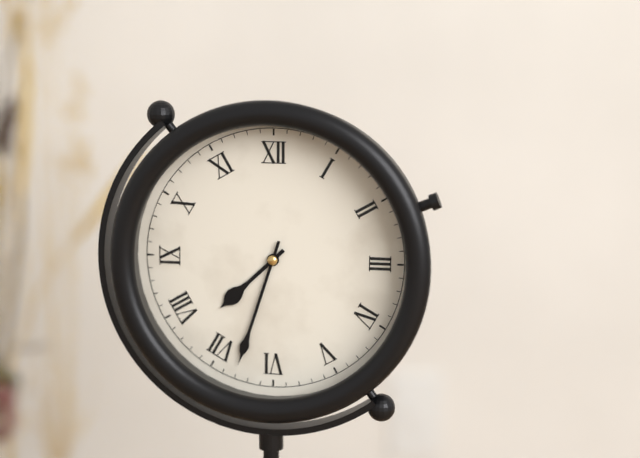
7:33
